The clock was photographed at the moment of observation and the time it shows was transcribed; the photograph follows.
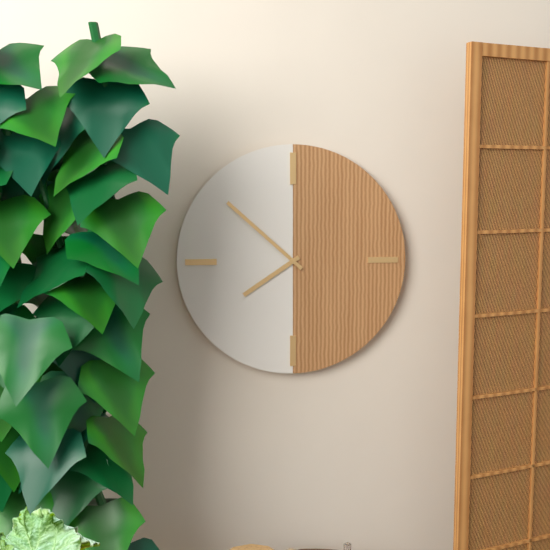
7:52
